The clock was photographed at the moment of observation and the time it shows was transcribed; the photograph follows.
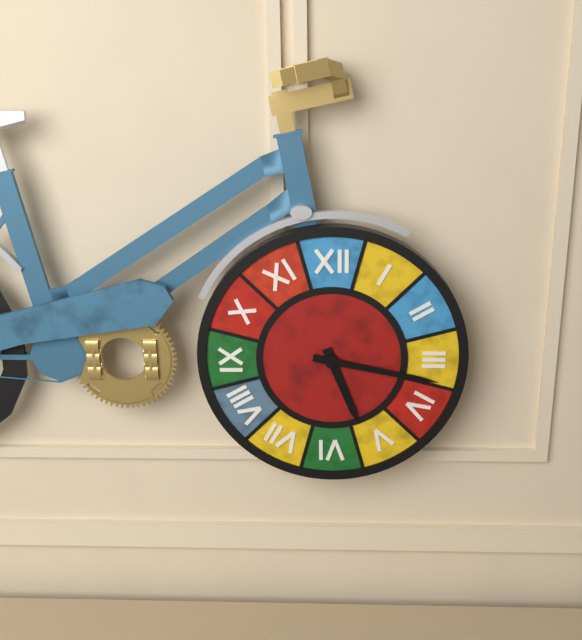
5:17
